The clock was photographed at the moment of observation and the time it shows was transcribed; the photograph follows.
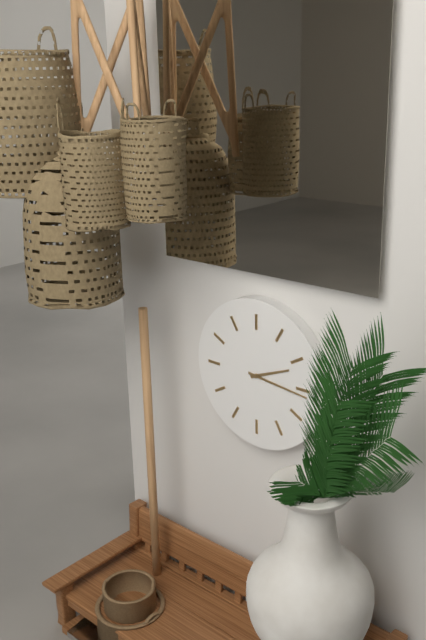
2:16
